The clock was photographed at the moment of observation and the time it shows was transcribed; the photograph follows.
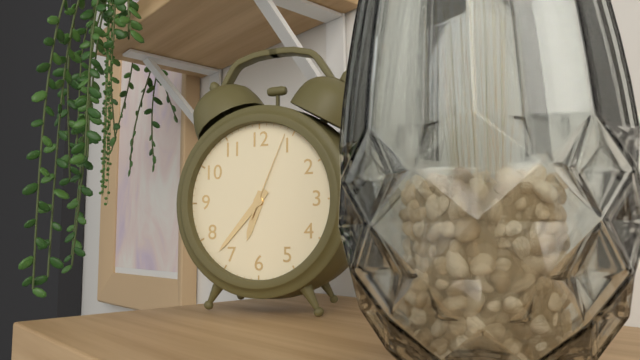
6:37:04
